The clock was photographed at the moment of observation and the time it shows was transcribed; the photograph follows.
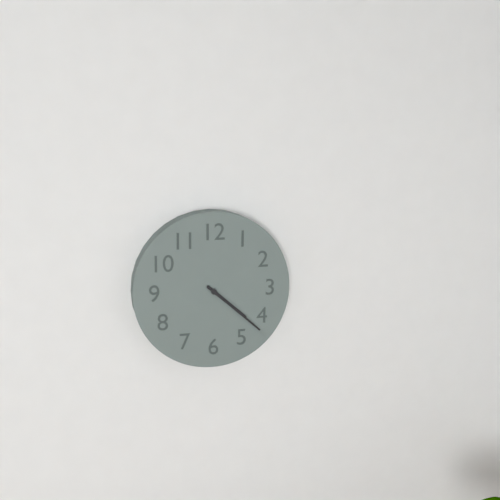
4:22
